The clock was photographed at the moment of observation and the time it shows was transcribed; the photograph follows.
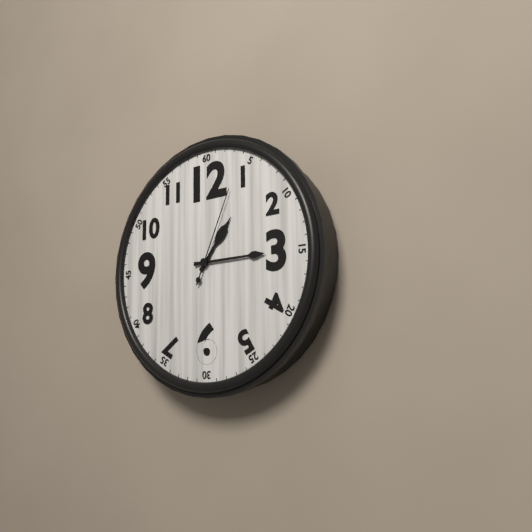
1:15:04
